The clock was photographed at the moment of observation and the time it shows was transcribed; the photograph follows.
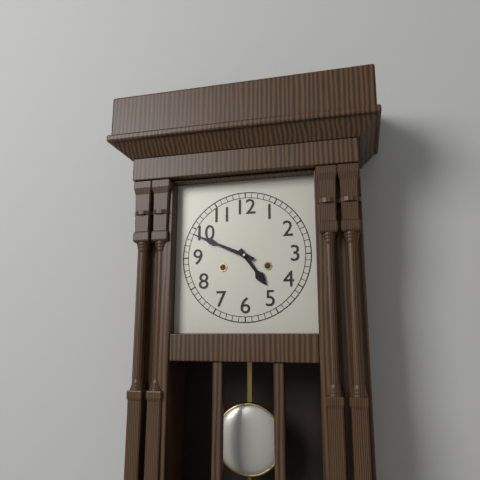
4:49
